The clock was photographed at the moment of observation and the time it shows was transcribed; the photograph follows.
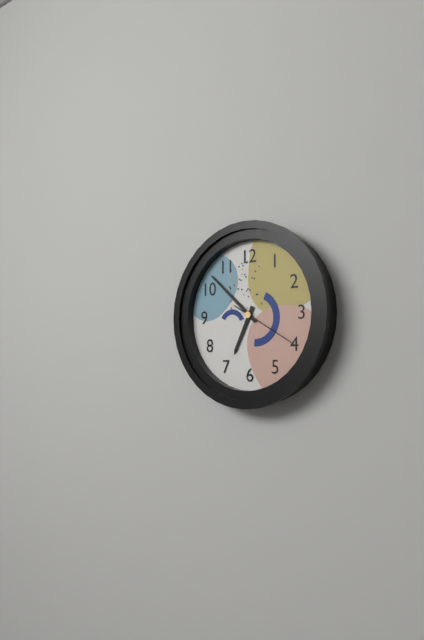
6:52:20
